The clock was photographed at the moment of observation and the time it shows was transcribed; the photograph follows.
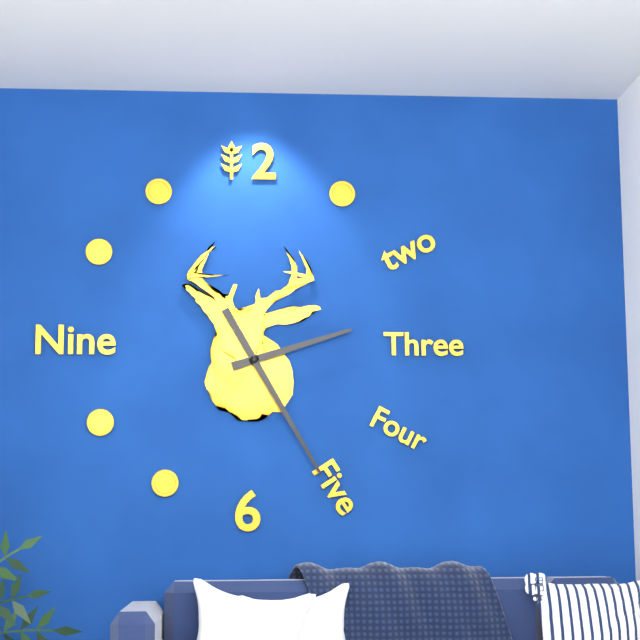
2:25
